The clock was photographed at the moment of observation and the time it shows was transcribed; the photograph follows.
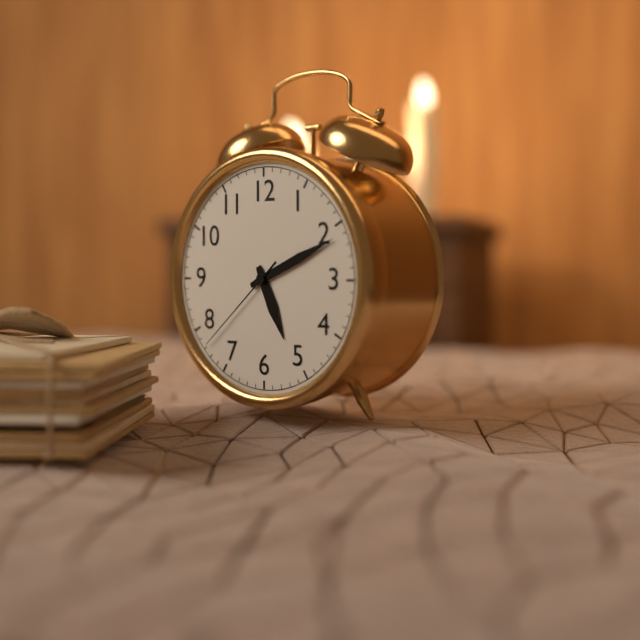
5:11:38
